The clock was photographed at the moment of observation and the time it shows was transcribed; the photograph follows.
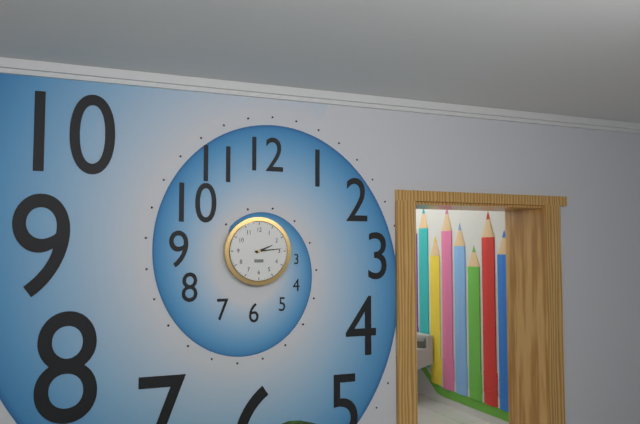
2:14
